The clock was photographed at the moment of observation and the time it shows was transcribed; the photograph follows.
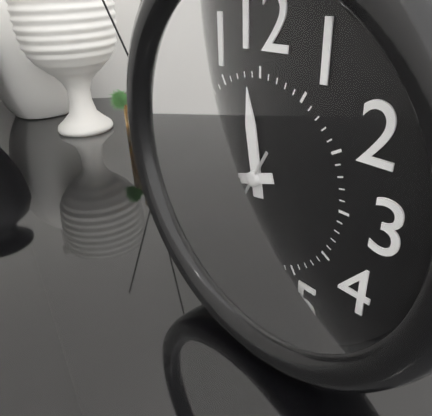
11:42:35
